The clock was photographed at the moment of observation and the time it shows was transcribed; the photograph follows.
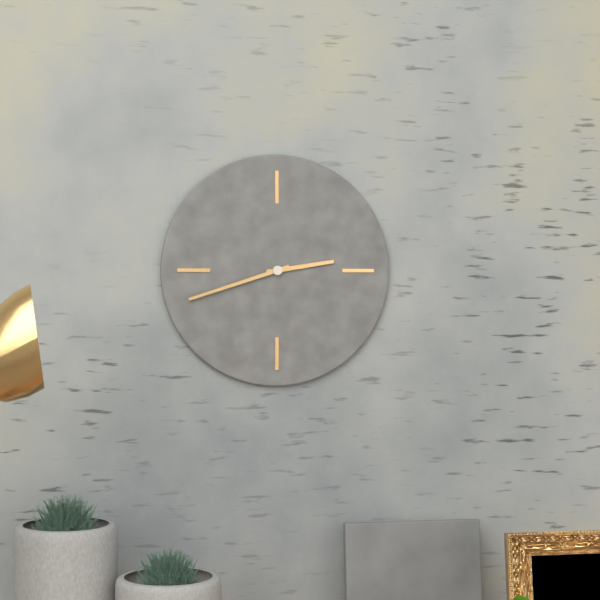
2:42
